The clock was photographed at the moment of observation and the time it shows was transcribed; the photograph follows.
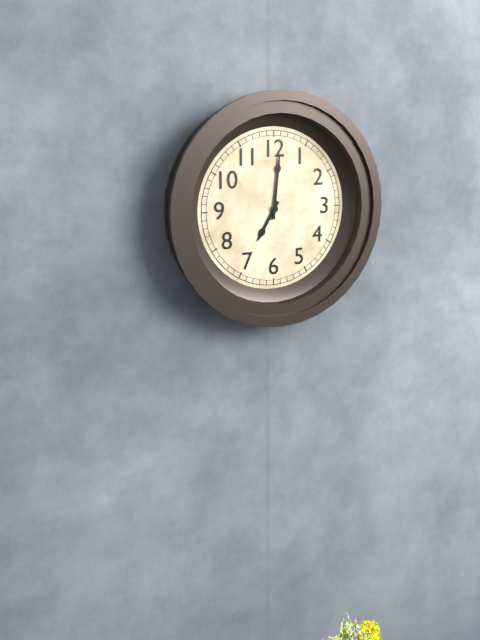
7:01
